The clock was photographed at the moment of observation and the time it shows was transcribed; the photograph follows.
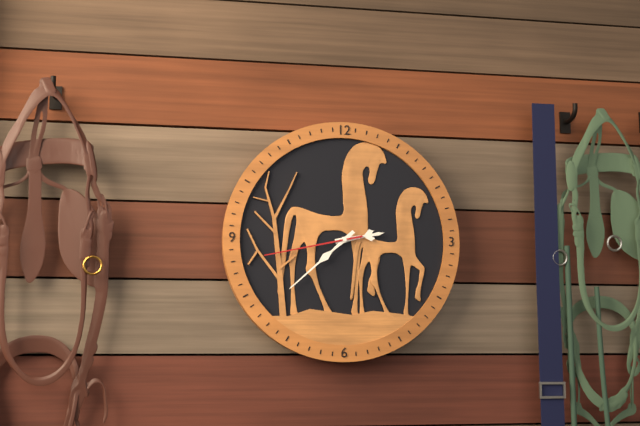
2:38:43
